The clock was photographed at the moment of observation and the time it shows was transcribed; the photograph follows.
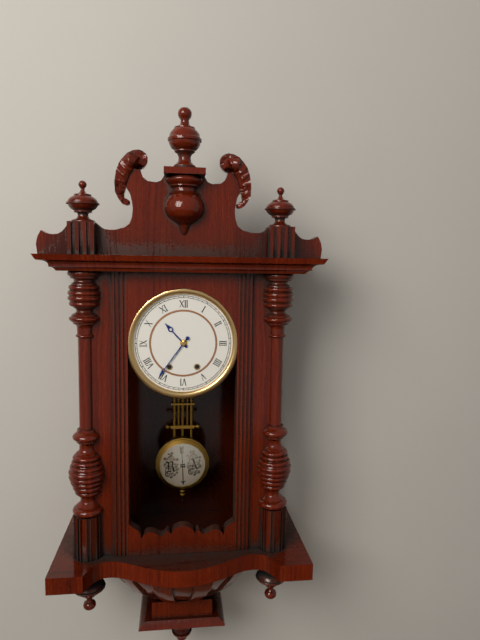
10:36
